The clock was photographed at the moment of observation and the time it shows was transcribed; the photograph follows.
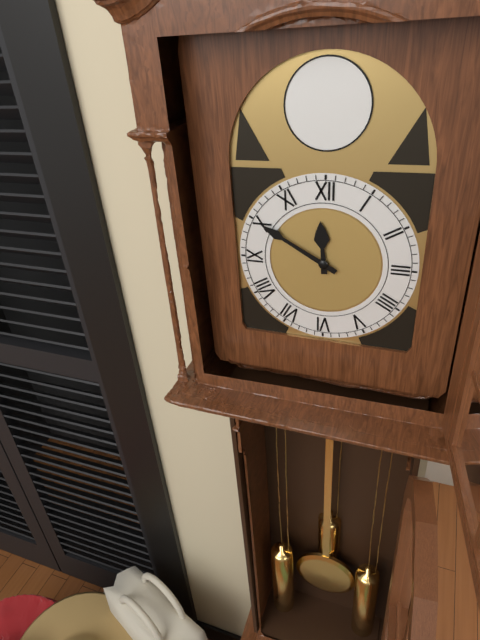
11:50
